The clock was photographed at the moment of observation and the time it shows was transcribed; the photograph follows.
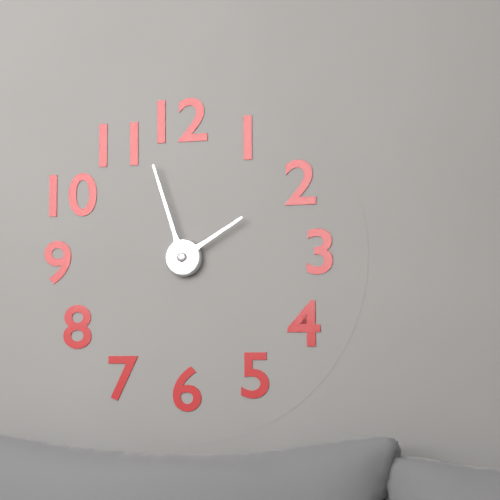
1:57
